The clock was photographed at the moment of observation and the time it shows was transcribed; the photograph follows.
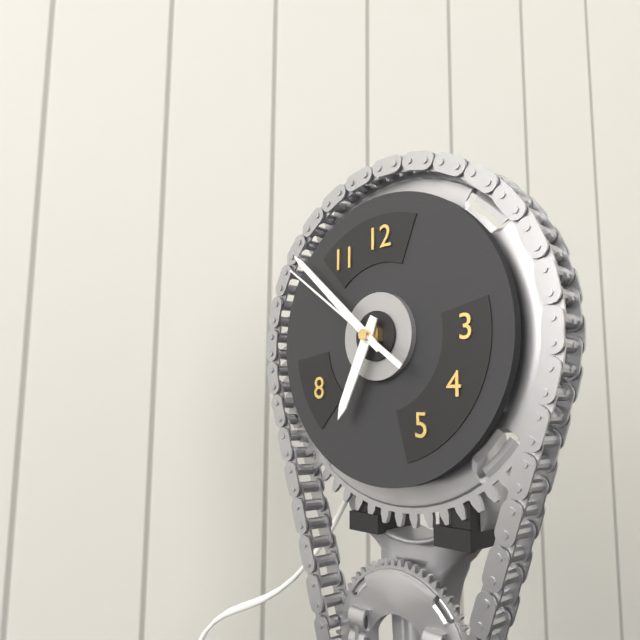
6:52:51
